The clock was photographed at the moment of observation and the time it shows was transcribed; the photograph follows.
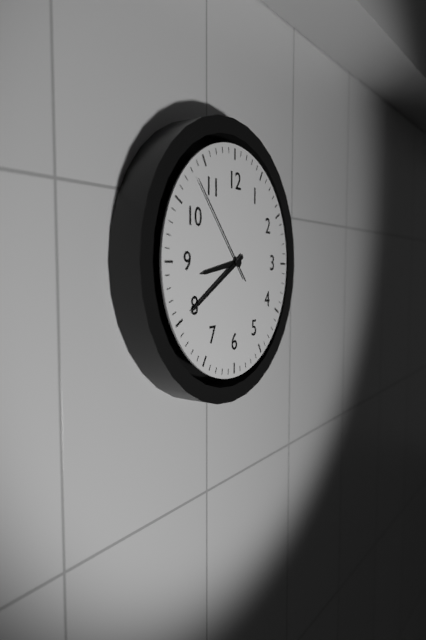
8:40:53
